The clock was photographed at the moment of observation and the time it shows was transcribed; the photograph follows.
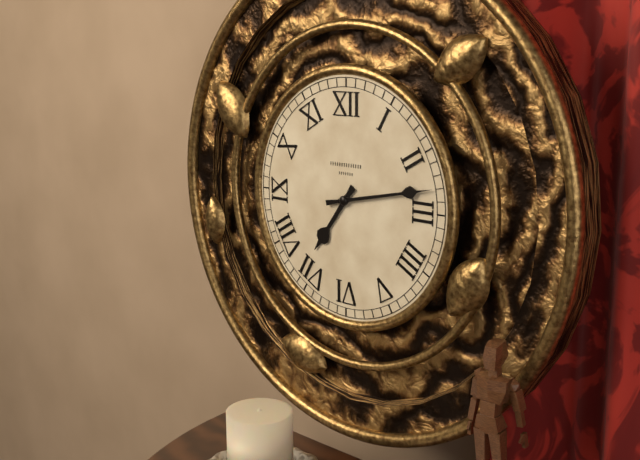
7:13
